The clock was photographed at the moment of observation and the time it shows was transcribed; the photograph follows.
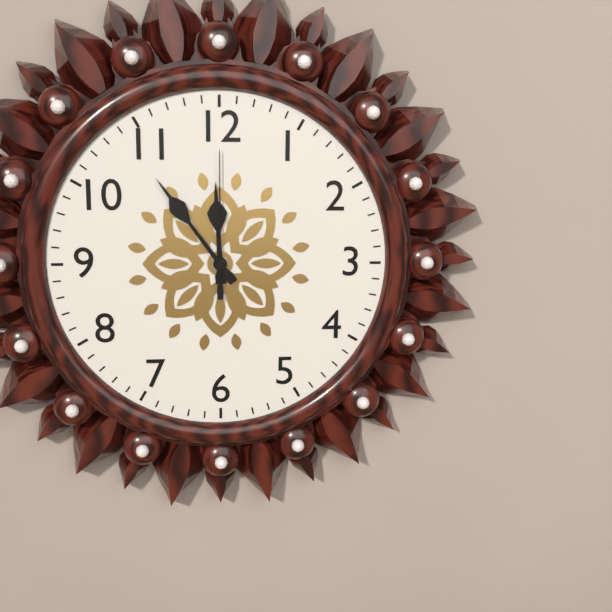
11:54:00
